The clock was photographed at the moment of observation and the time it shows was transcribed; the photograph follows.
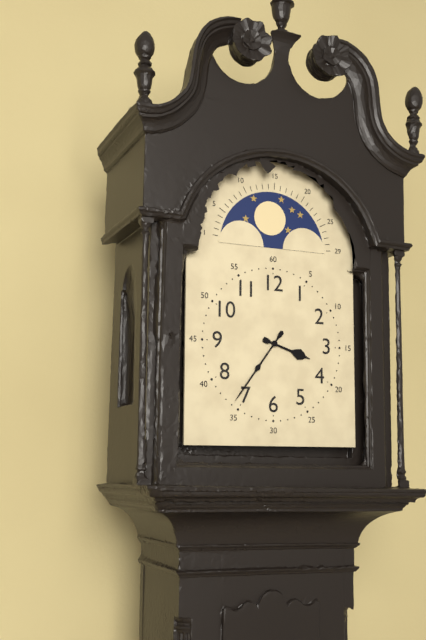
3:36
